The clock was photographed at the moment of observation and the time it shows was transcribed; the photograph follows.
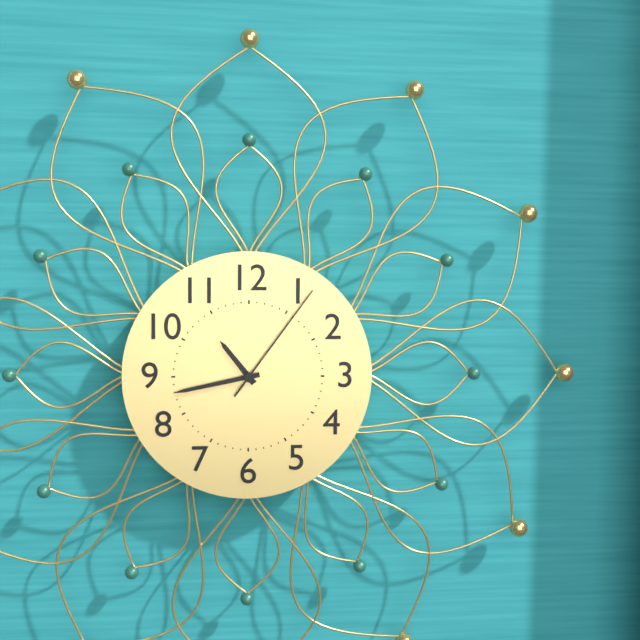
10:43:06
